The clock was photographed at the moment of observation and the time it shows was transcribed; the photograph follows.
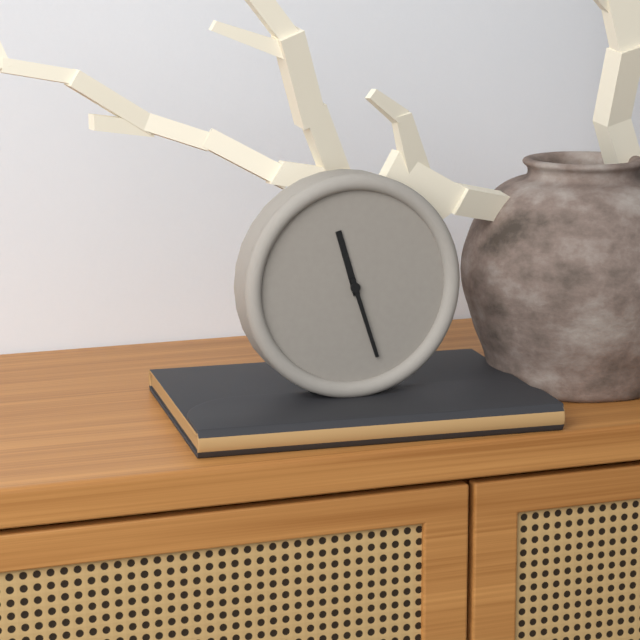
11:27
